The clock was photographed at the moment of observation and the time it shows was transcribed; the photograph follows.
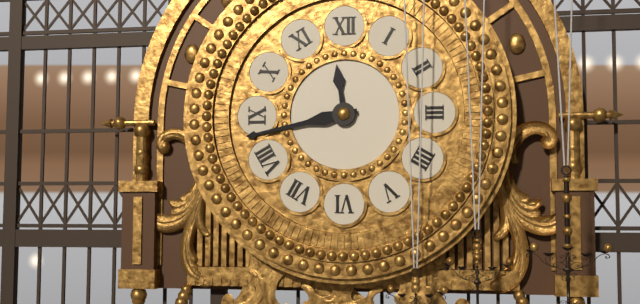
11:43
